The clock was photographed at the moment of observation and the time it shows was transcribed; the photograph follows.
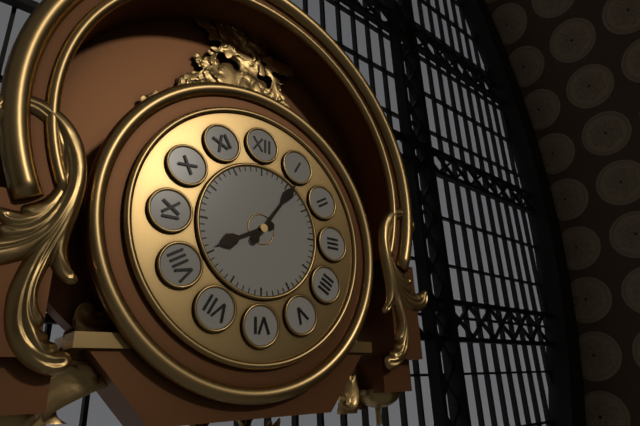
8:06
